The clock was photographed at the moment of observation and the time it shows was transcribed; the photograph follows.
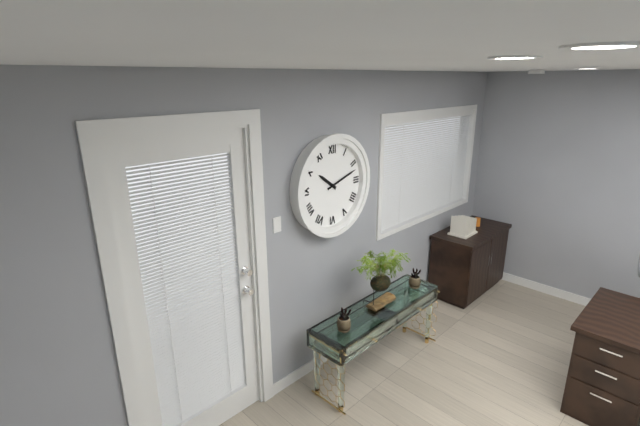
10:12
